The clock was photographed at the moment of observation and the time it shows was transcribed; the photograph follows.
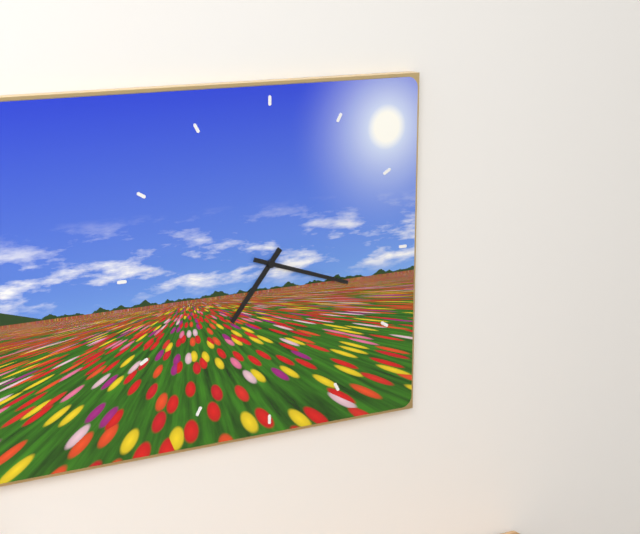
7:18
